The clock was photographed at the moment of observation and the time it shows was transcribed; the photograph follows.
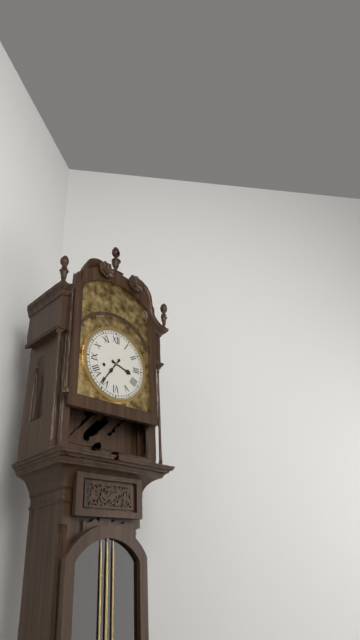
3:36
